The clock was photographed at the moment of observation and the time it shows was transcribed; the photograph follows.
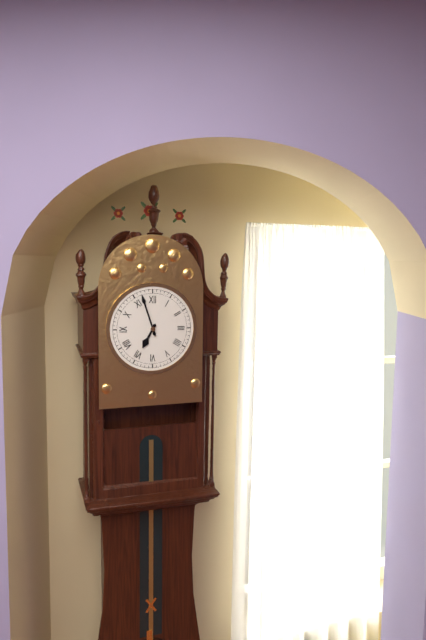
6:57
